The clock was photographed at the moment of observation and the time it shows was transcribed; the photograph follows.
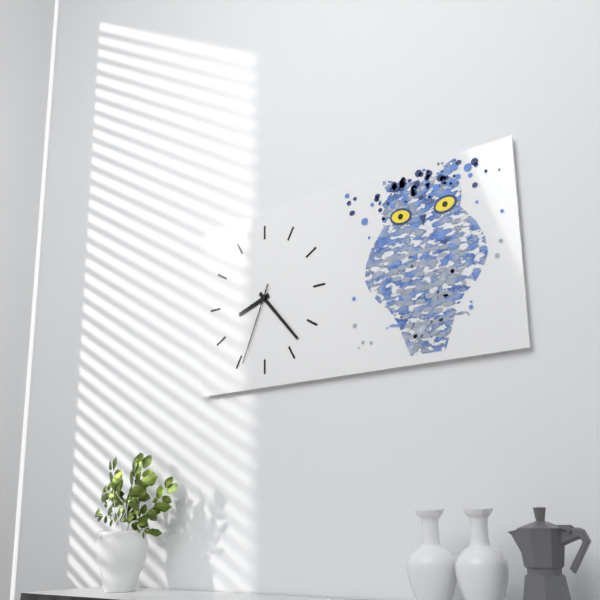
8:23:34
